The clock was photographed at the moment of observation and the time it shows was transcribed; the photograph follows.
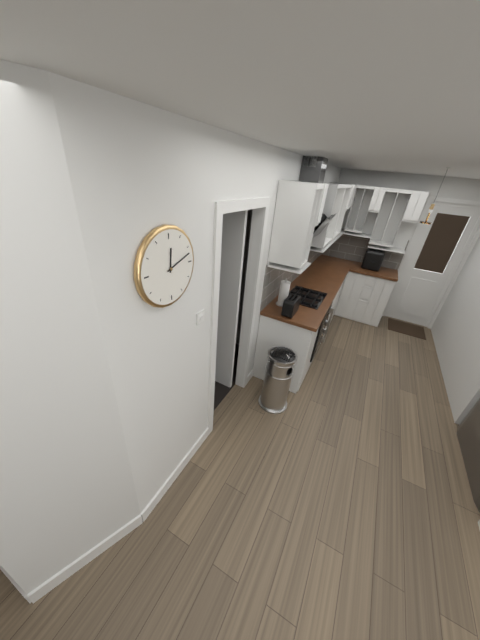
12:12
